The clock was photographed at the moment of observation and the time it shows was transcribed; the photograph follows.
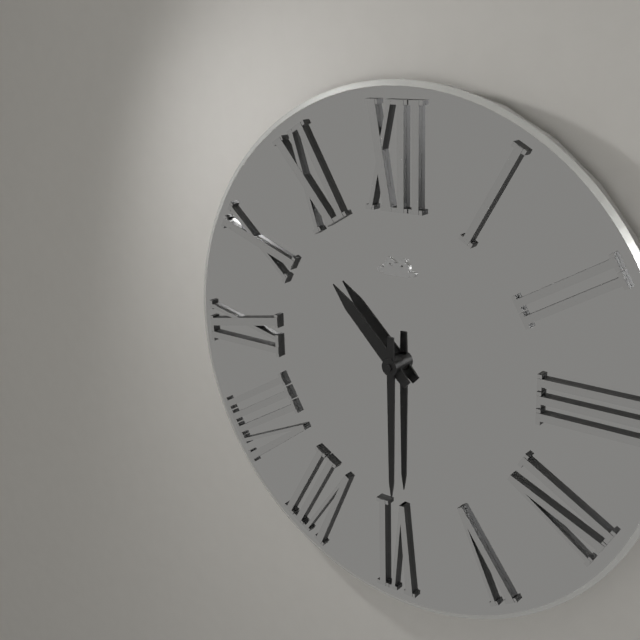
10:30
